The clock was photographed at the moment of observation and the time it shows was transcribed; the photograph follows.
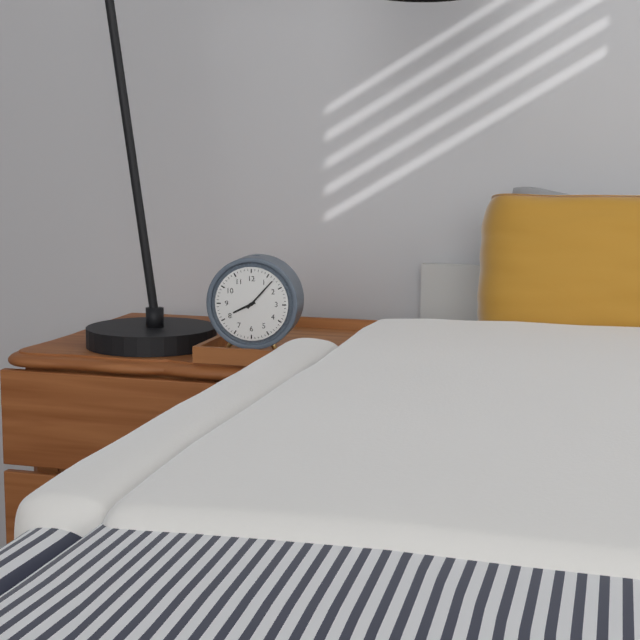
8:07
